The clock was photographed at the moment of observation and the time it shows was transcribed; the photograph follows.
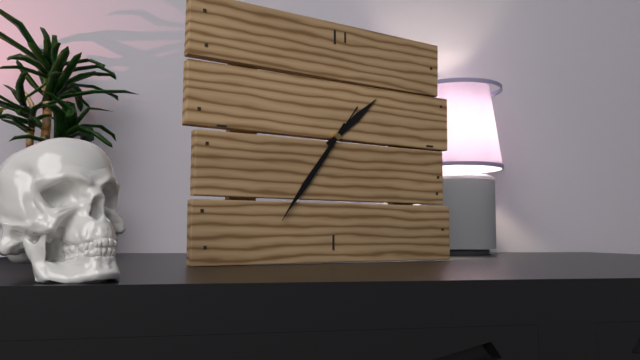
1:36:36
